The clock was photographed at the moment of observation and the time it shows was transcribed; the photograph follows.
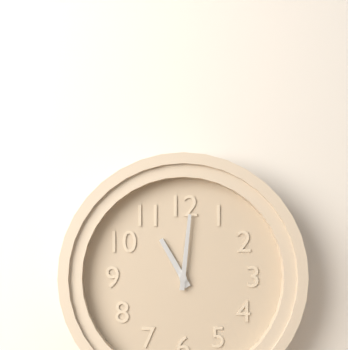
11:01
